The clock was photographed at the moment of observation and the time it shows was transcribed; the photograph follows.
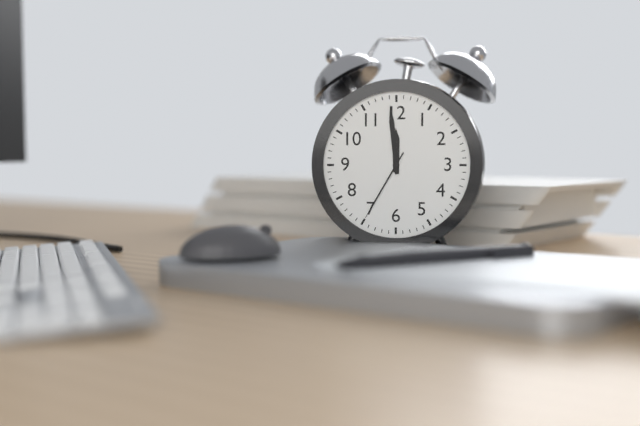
11:59:35
